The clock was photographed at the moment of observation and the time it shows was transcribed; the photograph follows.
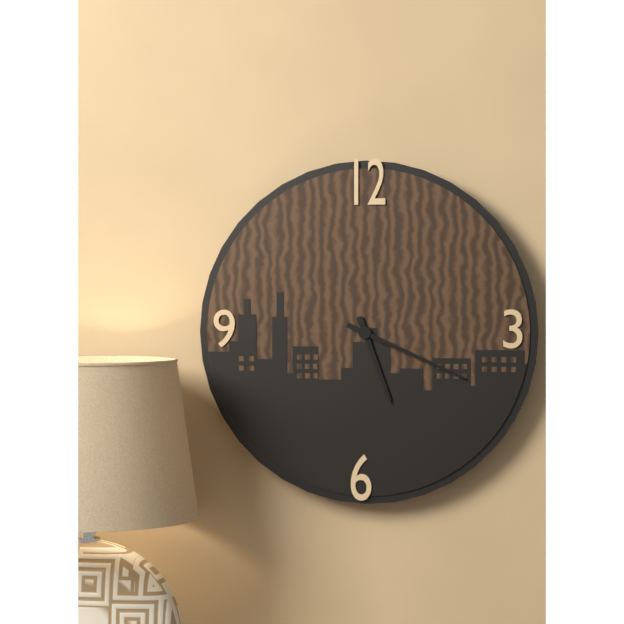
5:19
